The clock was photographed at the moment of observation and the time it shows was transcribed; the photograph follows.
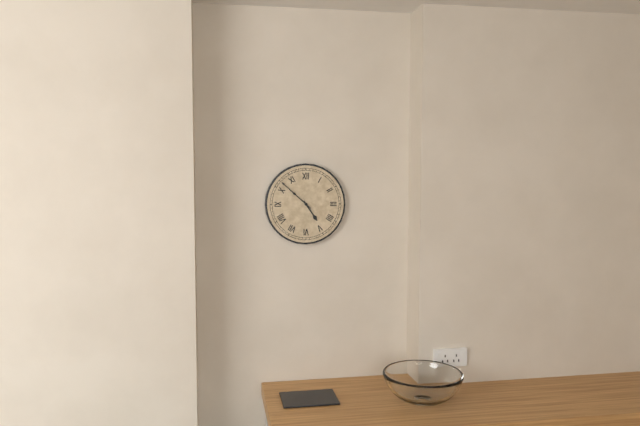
4:52
